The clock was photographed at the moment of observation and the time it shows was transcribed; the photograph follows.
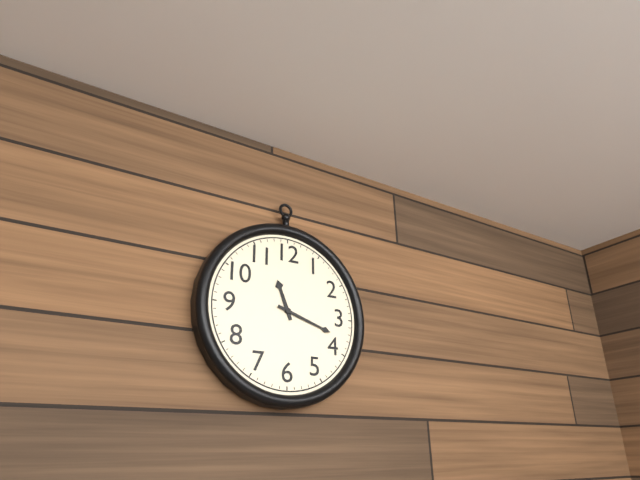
11:18
